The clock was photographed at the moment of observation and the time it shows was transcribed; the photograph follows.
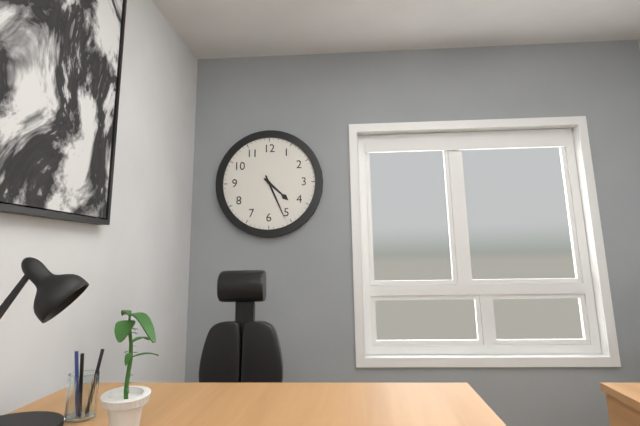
4:26
